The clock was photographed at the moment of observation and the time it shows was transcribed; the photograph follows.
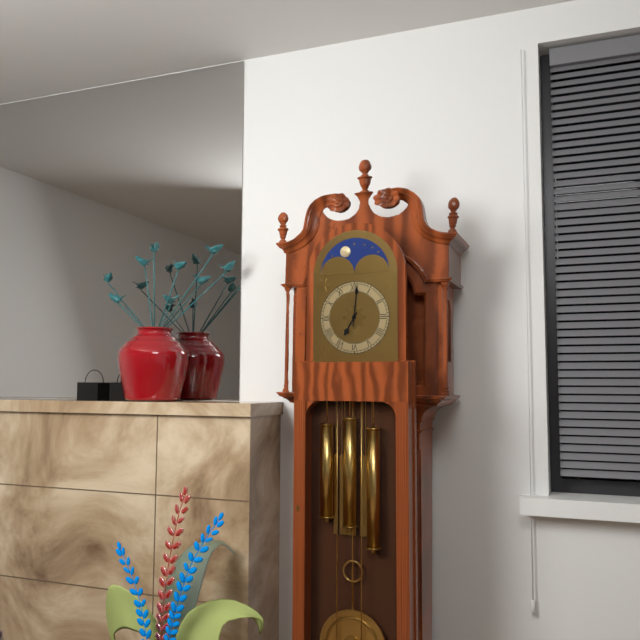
7:01
